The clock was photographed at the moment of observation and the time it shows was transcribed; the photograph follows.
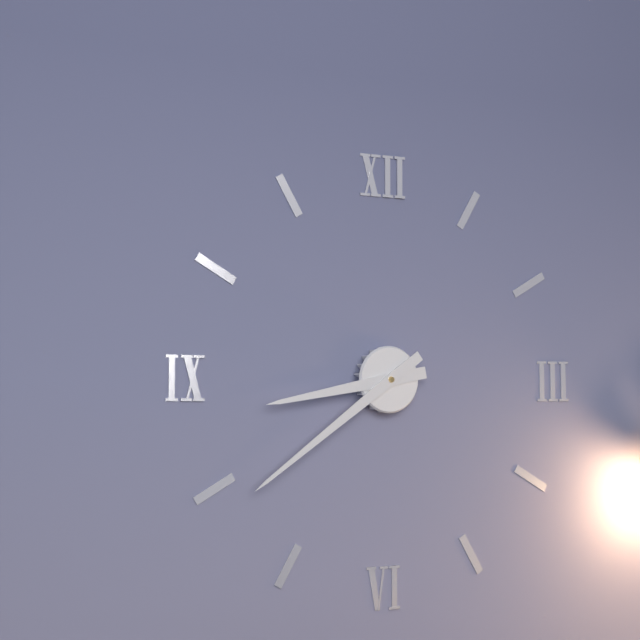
8:39
